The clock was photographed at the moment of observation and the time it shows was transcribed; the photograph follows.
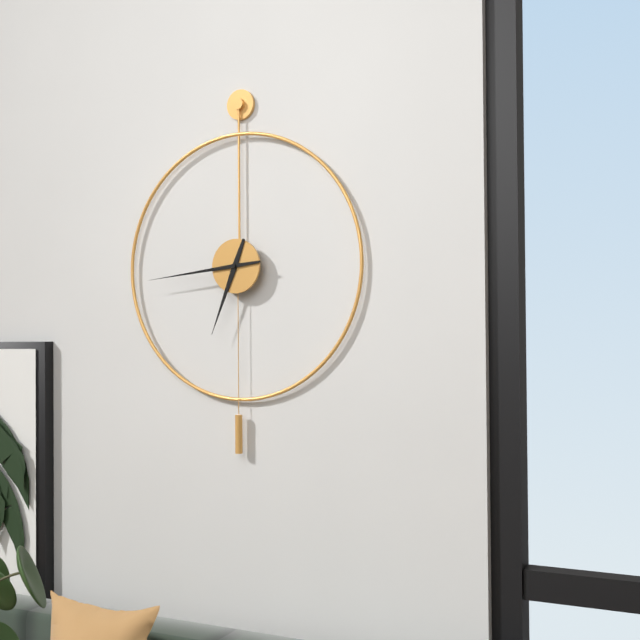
6:44
